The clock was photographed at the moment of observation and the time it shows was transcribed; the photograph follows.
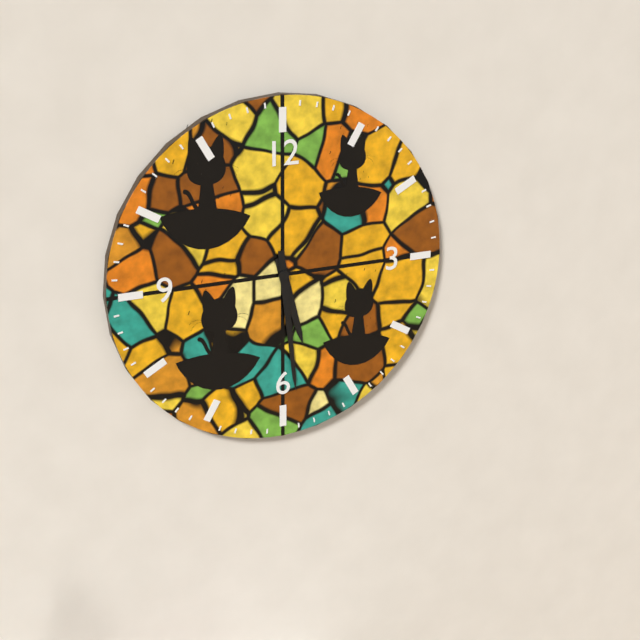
5:29
